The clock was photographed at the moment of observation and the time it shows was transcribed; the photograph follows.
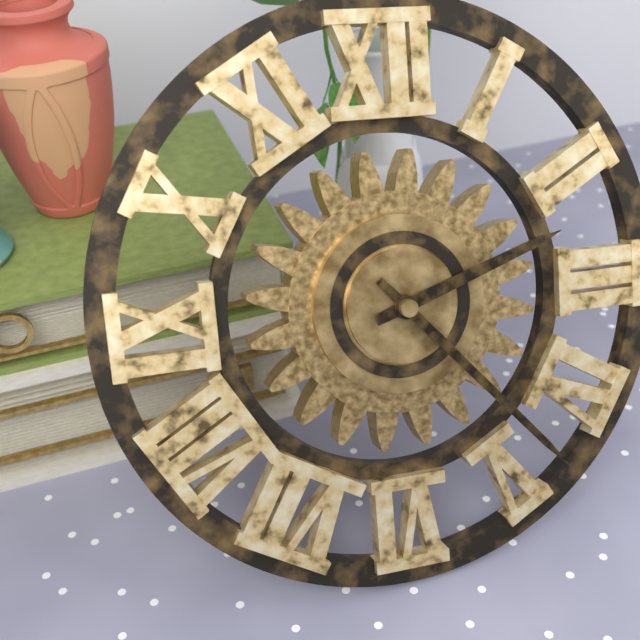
2:23
